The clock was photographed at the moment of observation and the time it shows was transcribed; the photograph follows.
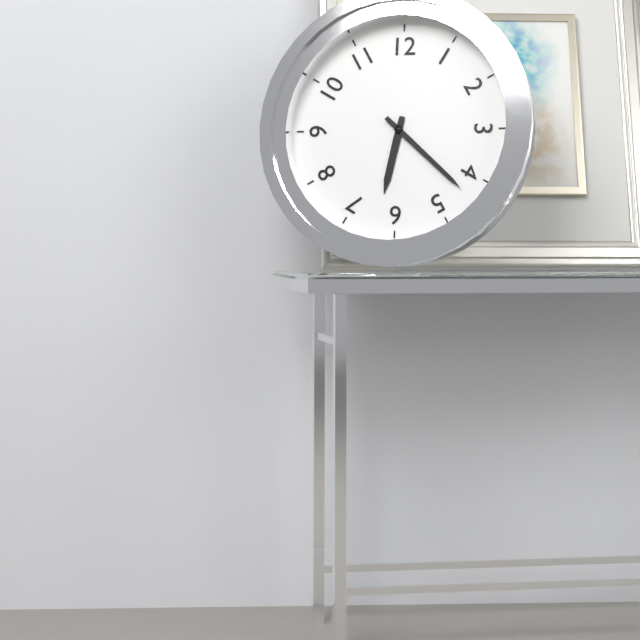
6:22
